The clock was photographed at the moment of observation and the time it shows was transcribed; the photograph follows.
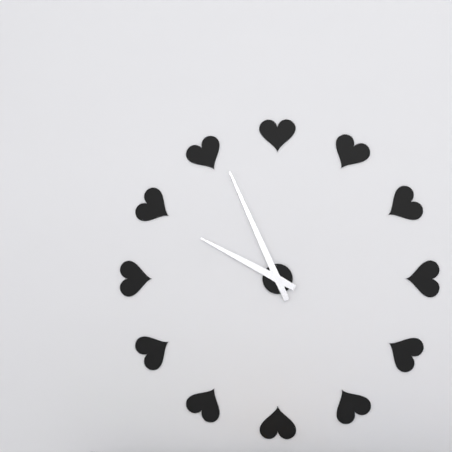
9:56
